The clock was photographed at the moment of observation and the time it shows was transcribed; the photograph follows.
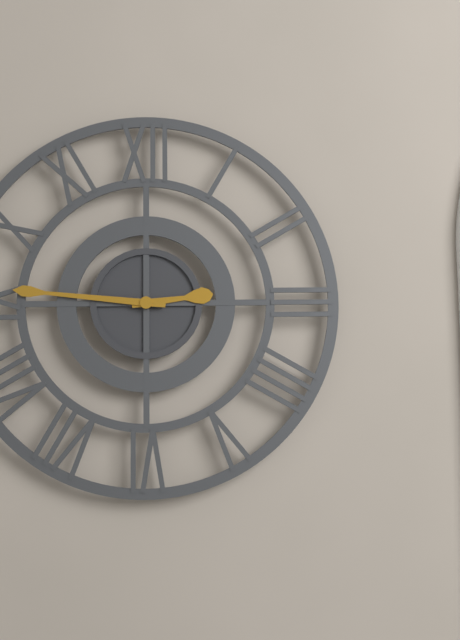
2:46
